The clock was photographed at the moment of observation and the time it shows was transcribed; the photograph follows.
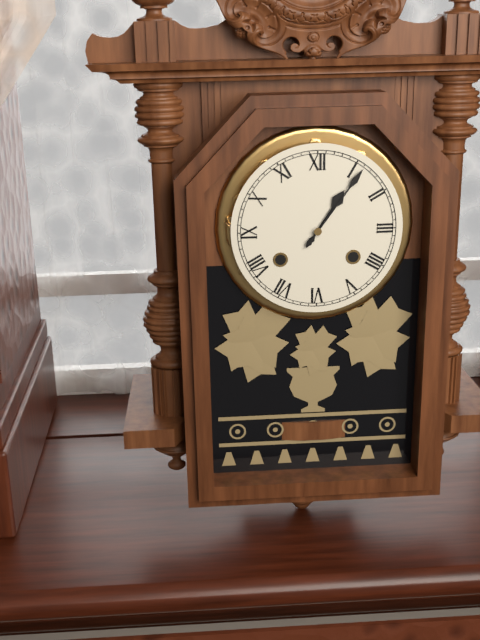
1:06
